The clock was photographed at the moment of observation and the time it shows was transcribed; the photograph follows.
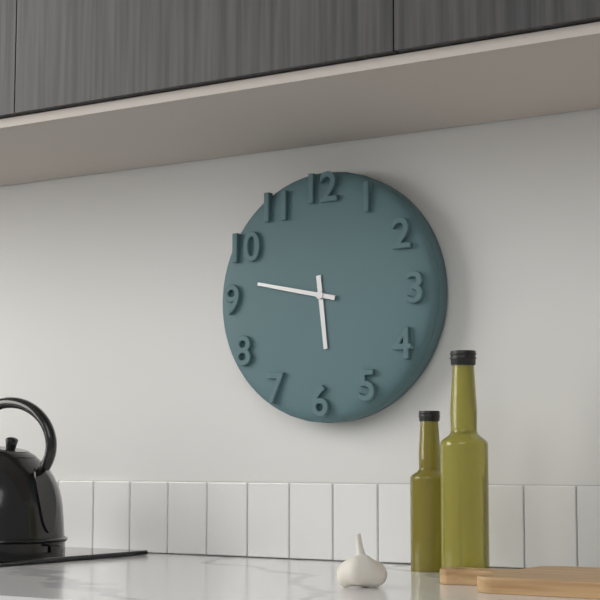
5:47
